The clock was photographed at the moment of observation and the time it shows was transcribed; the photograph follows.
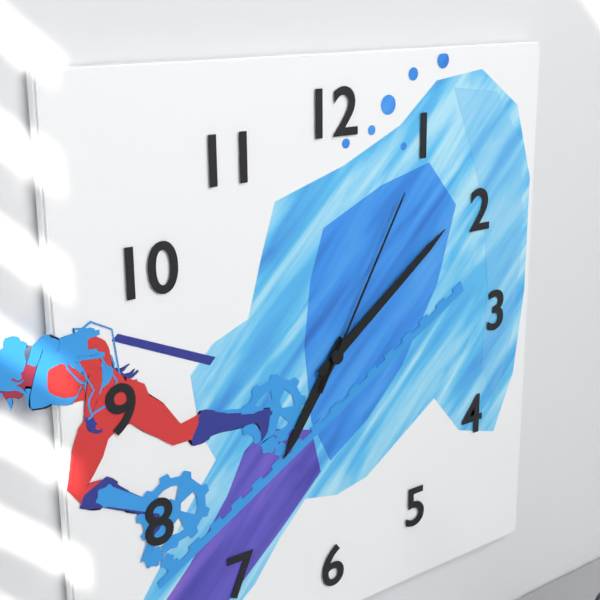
7:09:05
